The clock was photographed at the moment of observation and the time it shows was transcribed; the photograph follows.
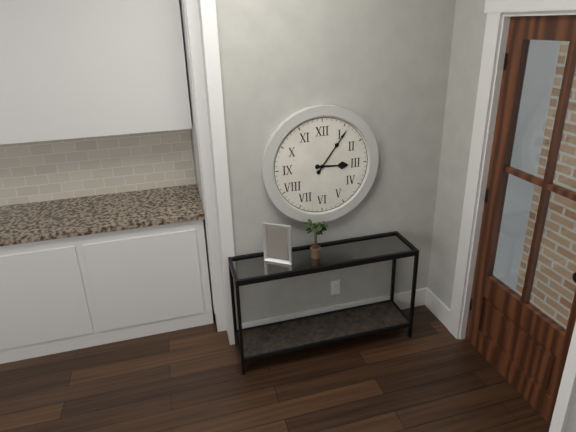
3:06
